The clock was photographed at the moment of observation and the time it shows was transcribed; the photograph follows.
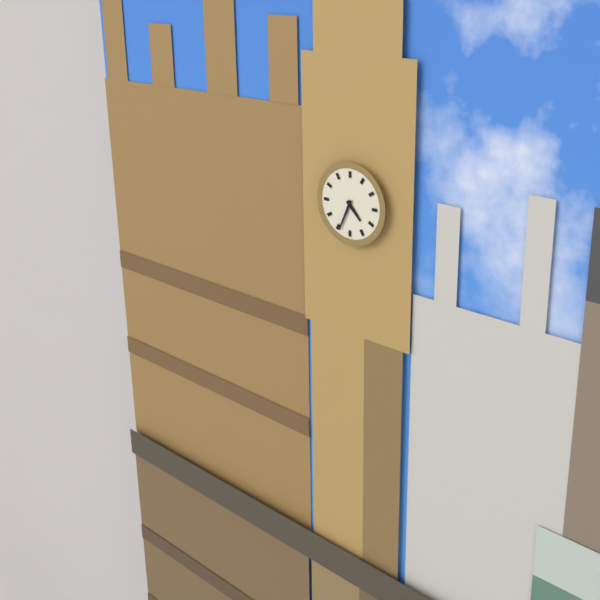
4:34
